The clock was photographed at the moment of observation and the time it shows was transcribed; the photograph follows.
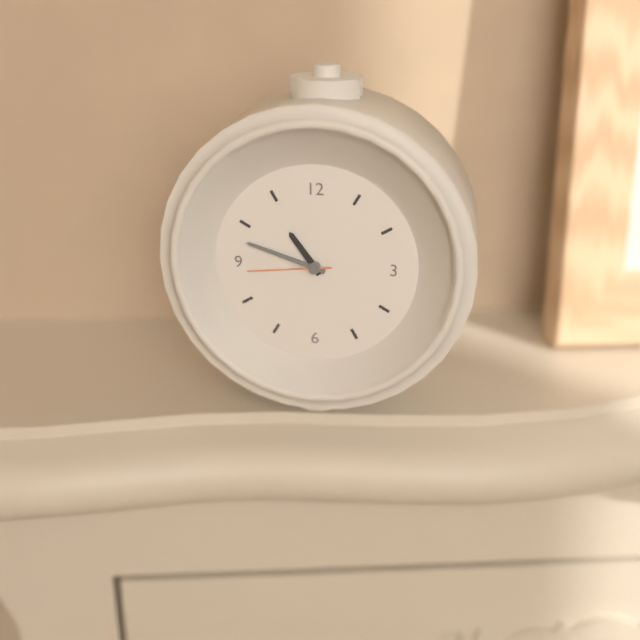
10:48:44
